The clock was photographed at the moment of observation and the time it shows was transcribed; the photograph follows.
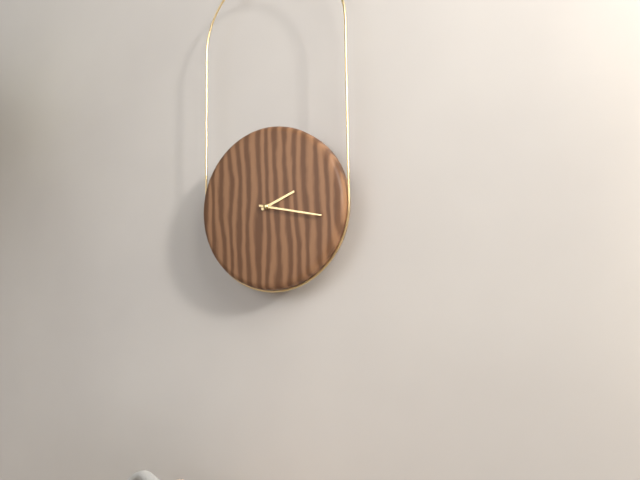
2:17
